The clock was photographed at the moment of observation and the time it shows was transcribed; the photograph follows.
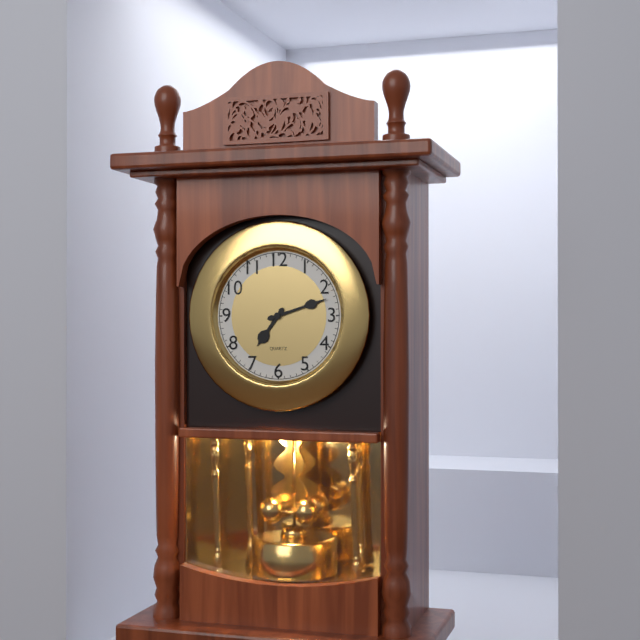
7:12
